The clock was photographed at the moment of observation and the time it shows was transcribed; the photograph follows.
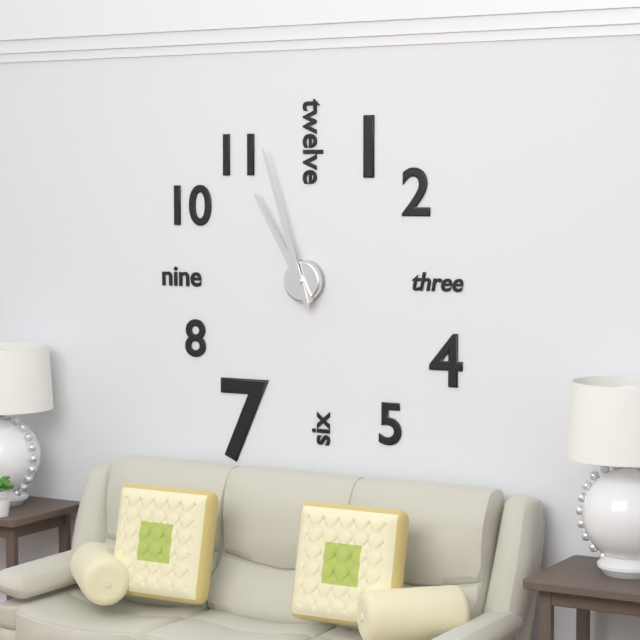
10:57
